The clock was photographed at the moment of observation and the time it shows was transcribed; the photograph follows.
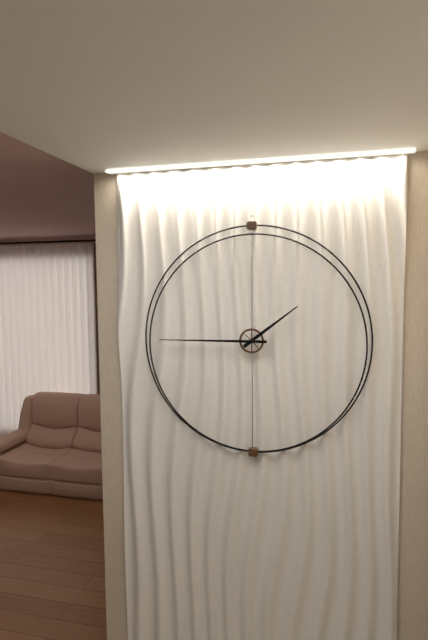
1:45
